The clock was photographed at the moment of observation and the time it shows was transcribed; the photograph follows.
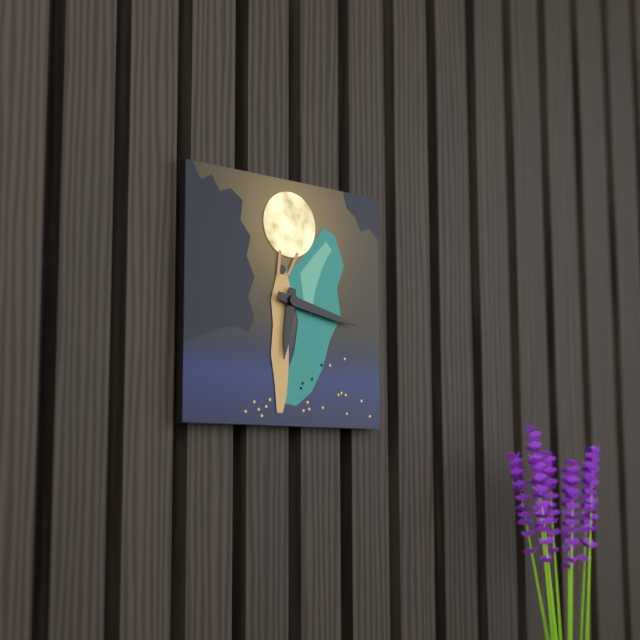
6:17
